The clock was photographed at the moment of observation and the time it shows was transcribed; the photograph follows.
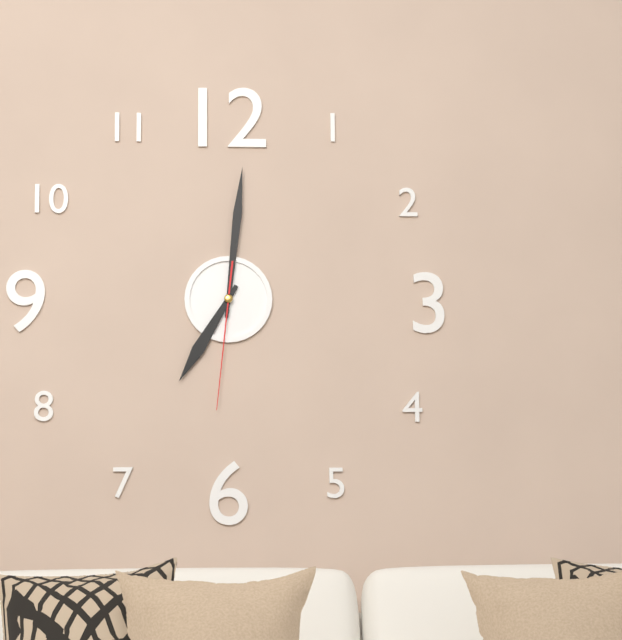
7:01:31
